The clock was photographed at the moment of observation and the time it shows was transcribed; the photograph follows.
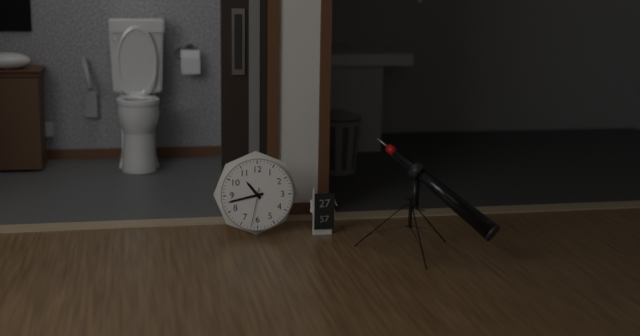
10:43
